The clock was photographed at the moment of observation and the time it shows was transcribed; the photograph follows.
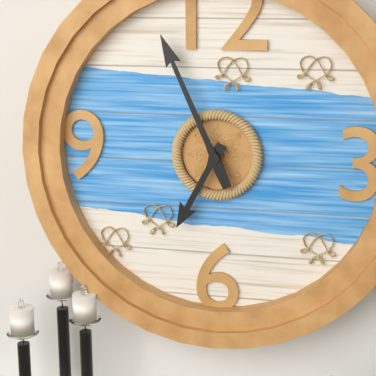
6:56
